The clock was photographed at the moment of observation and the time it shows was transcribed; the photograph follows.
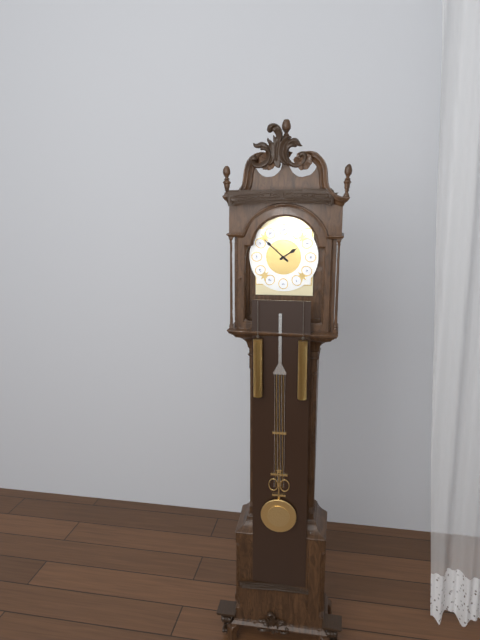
1:52
